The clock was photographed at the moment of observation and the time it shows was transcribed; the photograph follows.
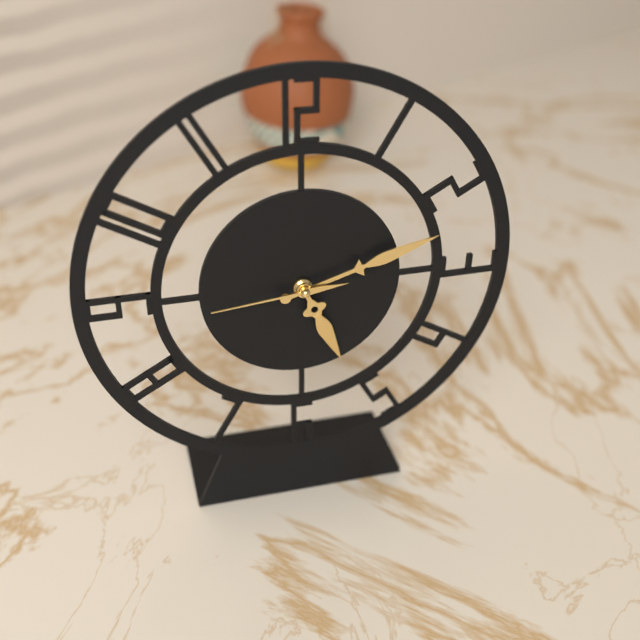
5:12:44
